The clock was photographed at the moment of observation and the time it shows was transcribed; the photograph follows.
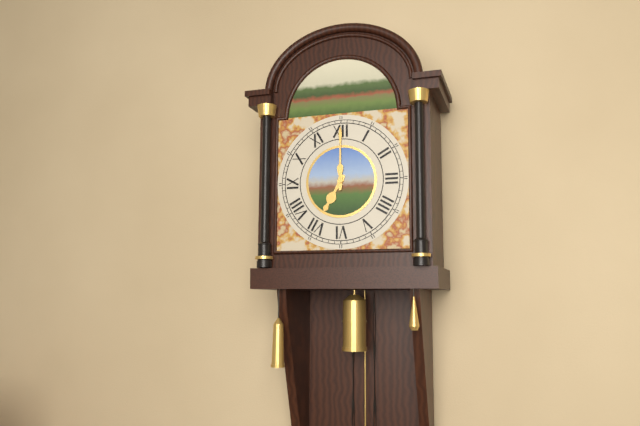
7:00
